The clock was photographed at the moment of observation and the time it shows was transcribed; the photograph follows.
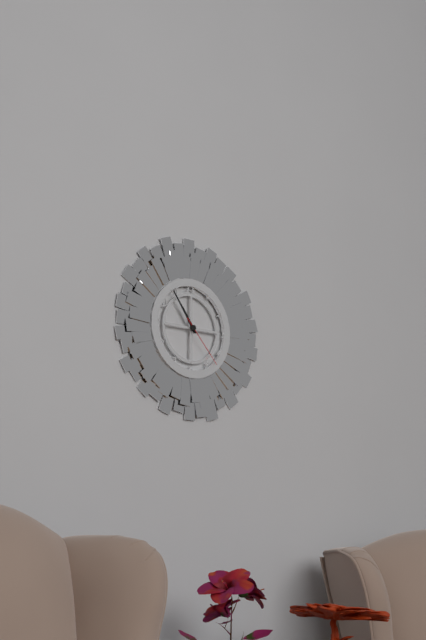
10:54:23
